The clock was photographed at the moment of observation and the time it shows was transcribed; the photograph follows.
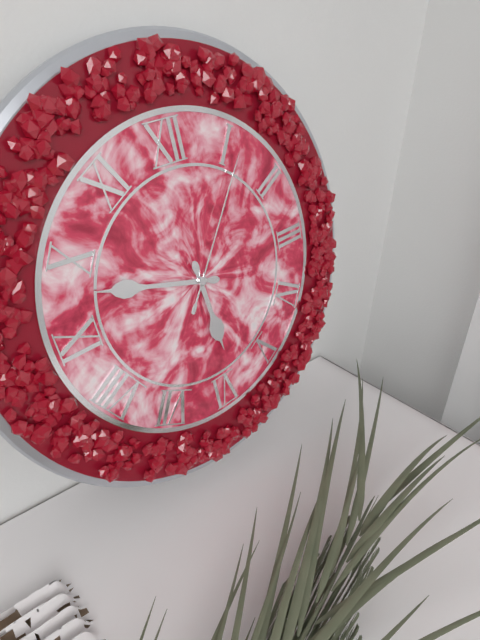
5:48:06
